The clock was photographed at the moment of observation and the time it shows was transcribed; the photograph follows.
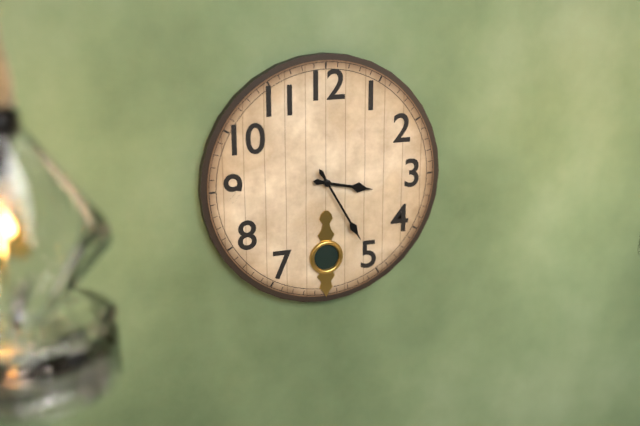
3:25
